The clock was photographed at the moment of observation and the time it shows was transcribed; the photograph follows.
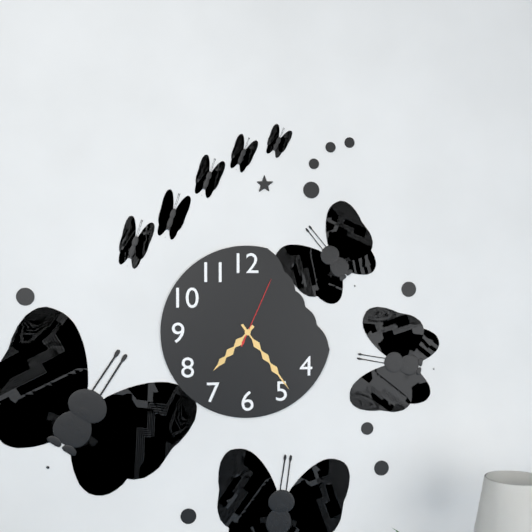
7:24:04
